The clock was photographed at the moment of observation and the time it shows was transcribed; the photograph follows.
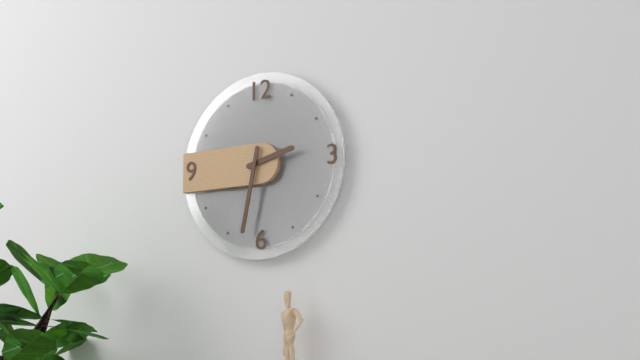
2:32
